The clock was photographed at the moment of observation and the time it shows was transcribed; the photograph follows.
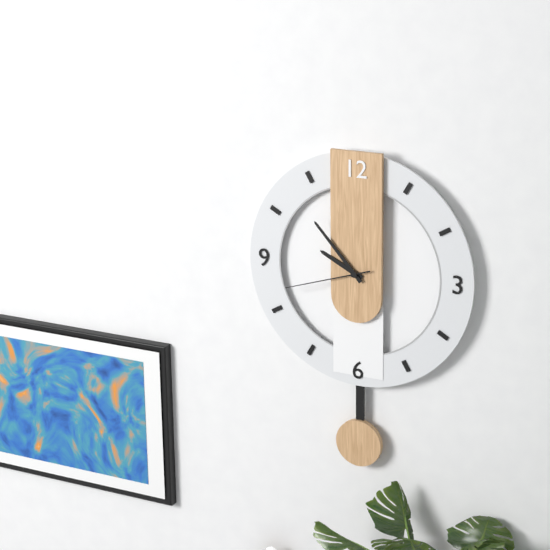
9:53:42
